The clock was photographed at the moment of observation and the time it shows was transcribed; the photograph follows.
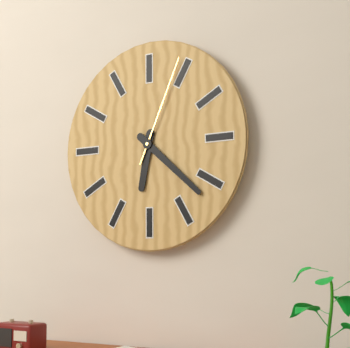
6:22:04
